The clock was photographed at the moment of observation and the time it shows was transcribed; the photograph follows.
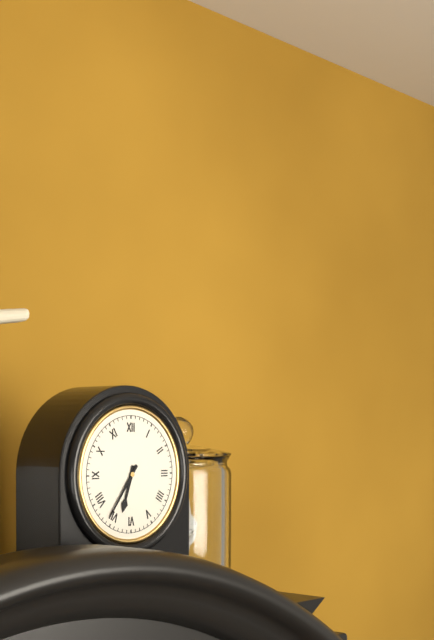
6:36
